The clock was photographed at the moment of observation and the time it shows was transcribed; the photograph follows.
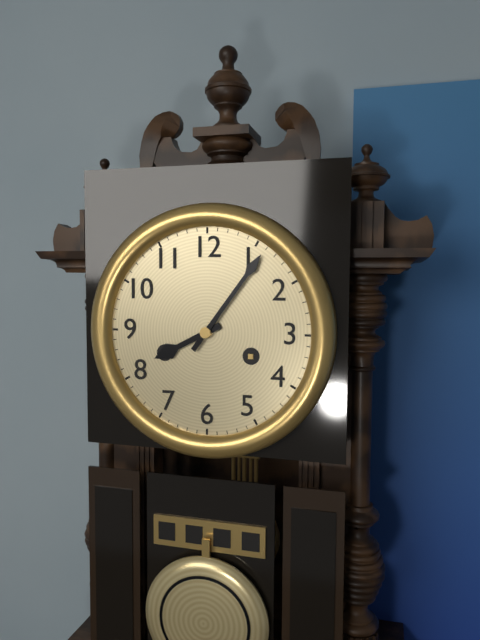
8:06
